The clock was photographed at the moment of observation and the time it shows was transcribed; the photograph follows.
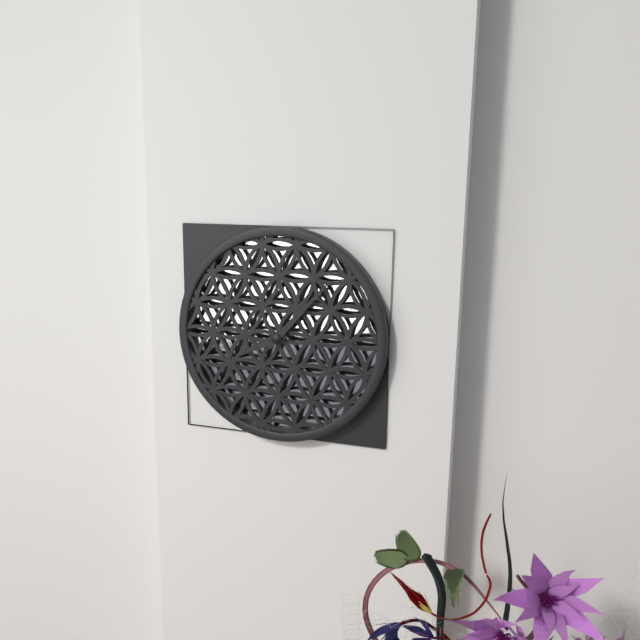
8:07
